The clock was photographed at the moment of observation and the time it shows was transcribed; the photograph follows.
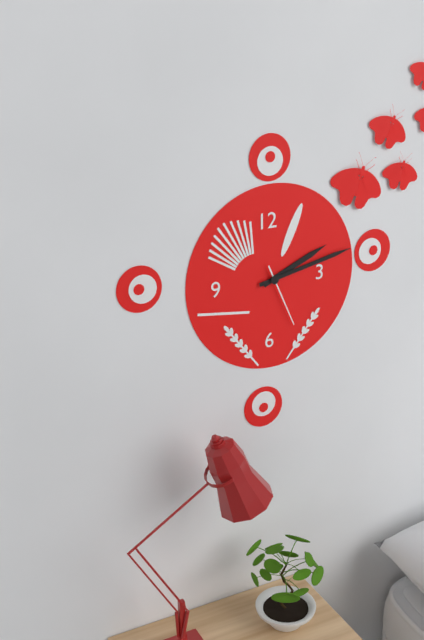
2:13:26
